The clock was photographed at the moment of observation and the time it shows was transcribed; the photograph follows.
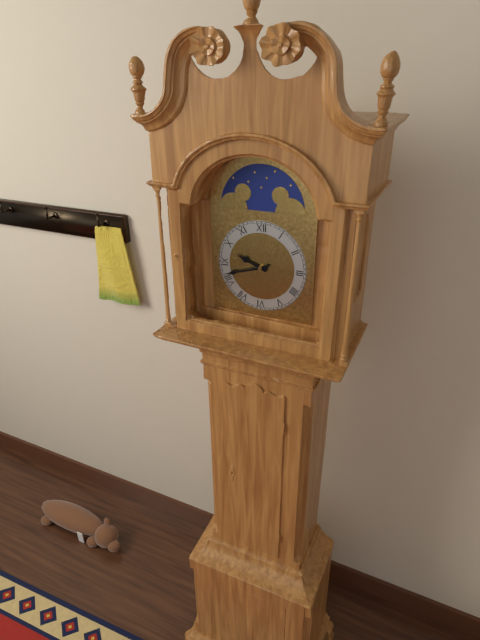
9:42
